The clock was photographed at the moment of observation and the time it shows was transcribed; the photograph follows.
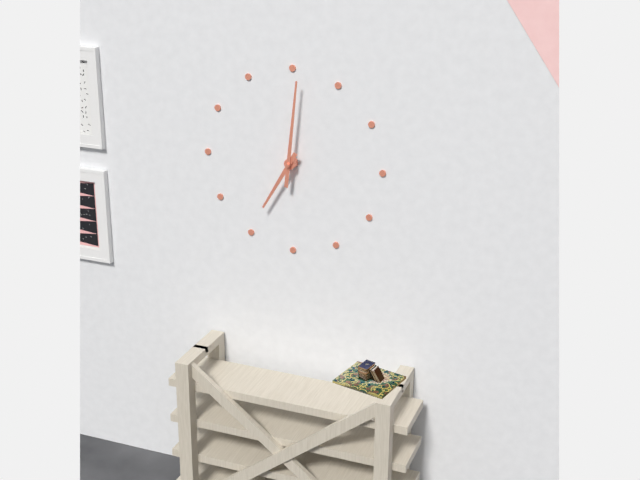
7:01
